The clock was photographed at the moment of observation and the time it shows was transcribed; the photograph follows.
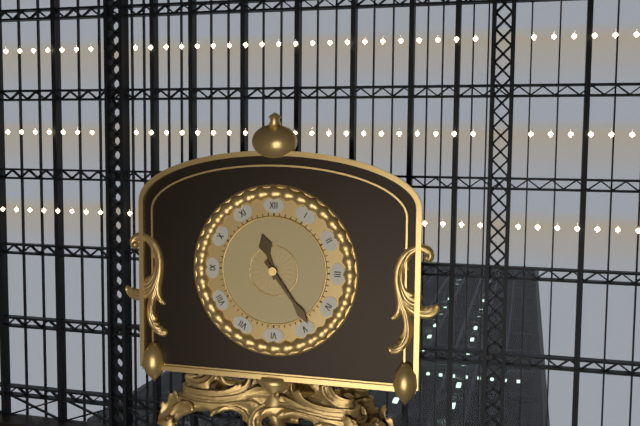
11:24
